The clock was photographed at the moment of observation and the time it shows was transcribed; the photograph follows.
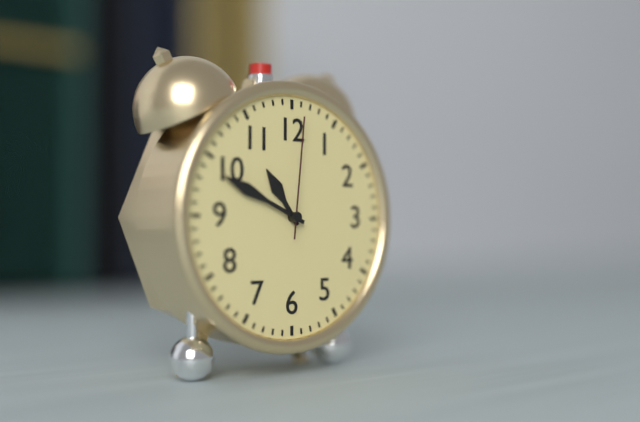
10:49:01
